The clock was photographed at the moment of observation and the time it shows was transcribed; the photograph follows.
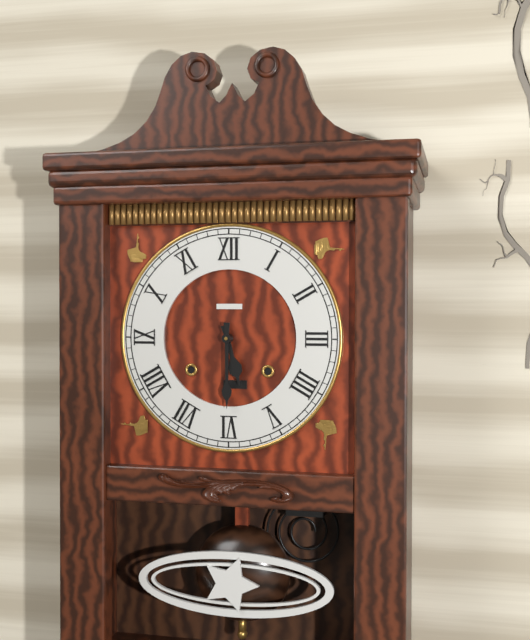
5:30
